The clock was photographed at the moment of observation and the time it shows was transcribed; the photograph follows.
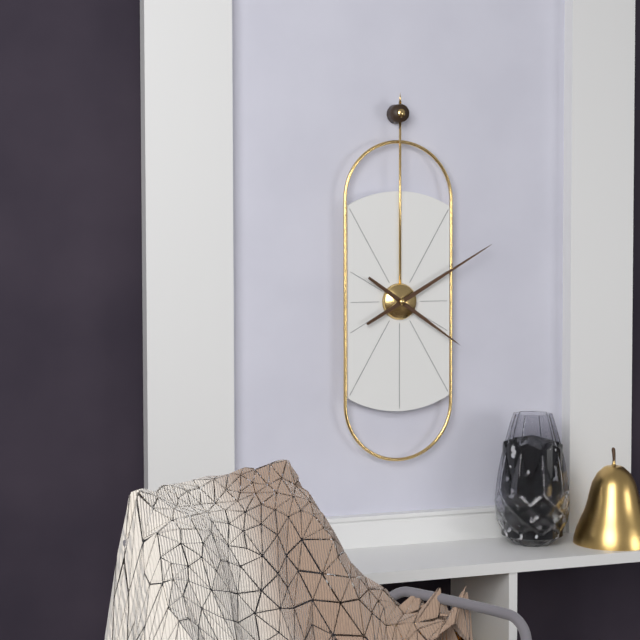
4:10
